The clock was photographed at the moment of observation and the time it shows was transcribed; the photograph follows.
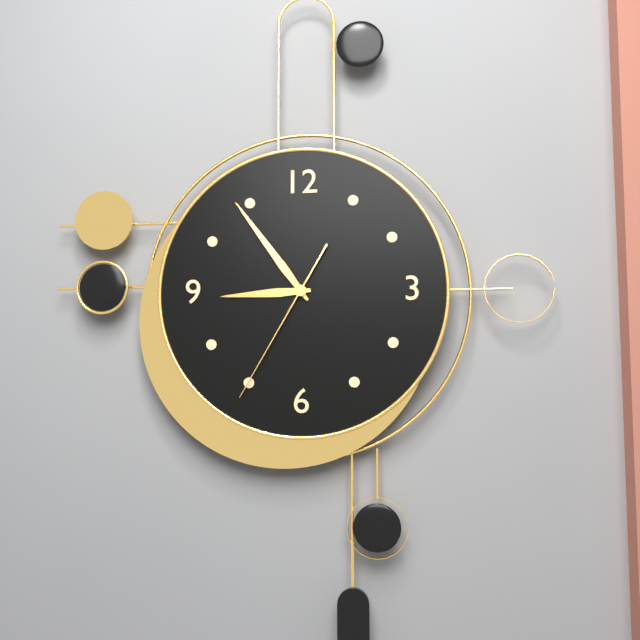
8:54:35
